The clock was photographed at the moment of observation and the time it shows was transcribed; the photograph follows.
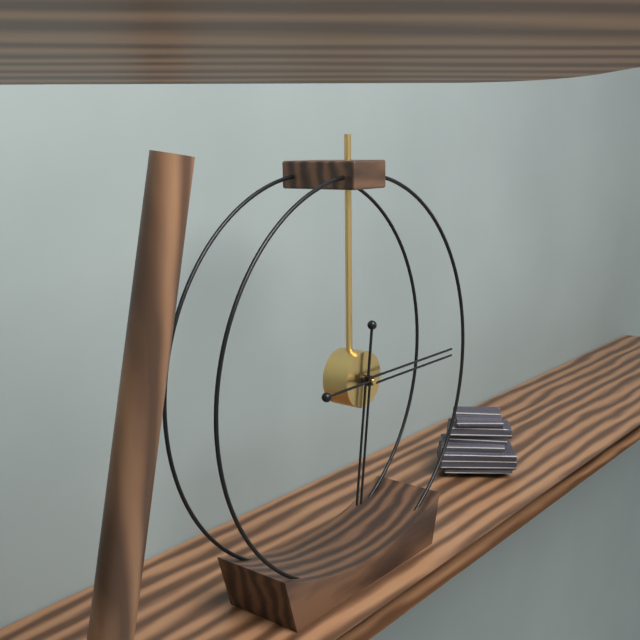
6:15
